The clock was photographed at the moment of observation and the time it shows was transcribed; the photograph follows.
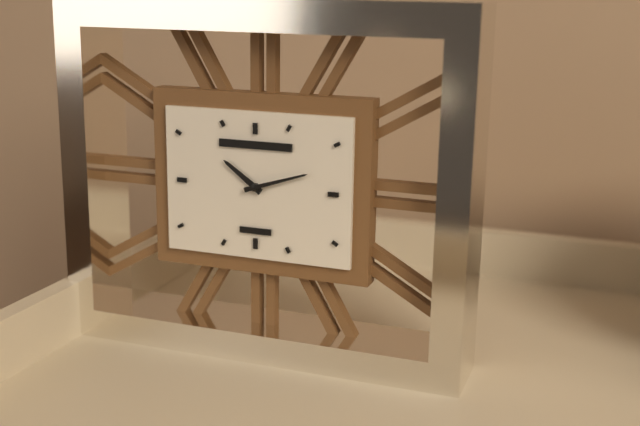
10:12
